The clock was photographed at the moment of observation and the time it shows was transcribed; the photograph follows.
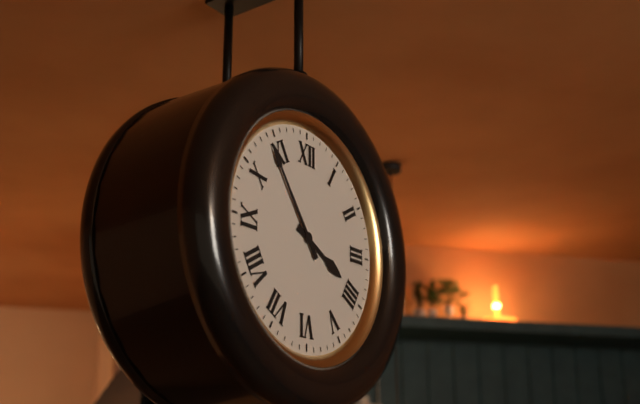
3:54
